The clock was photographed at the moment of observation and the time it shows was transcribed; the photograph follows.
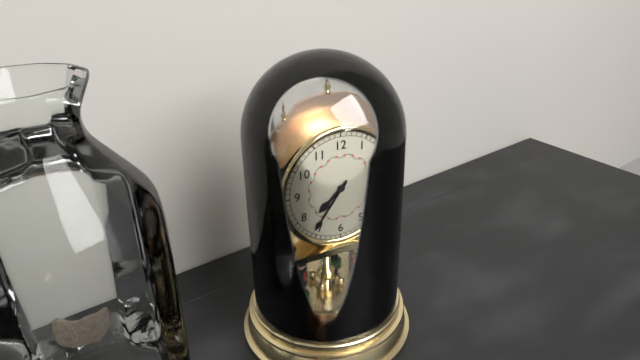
7:36
